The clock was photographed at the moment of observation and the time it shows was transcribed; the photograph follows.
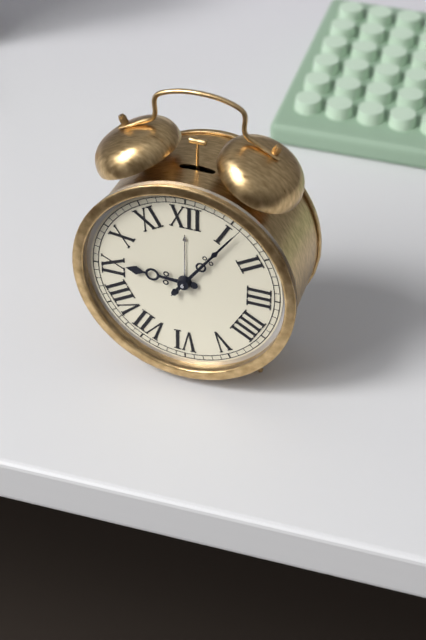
9:06:06
